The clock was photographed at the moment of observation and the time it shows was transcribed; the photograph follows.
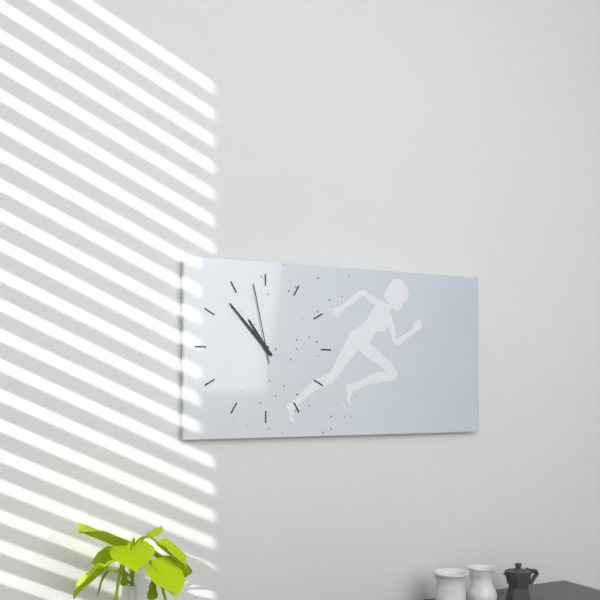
10:53:58
